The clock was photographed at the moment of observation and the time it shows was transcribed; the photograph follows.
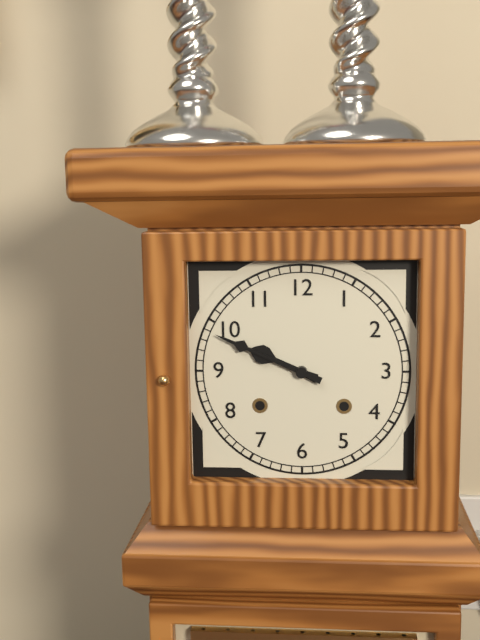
9:49
